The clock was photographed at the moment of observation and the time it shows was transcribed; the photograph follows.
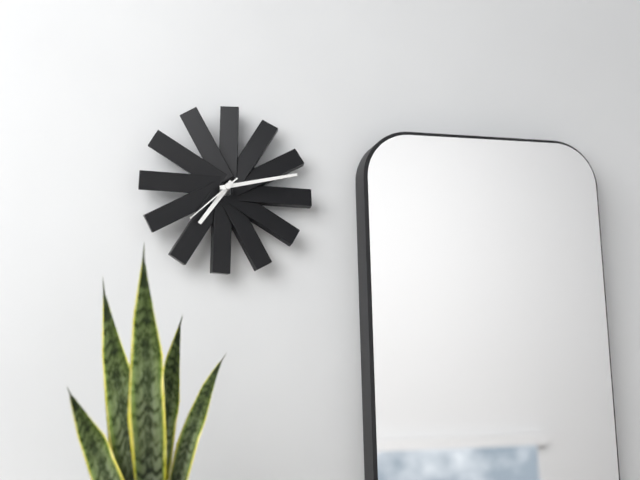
7:13:38
